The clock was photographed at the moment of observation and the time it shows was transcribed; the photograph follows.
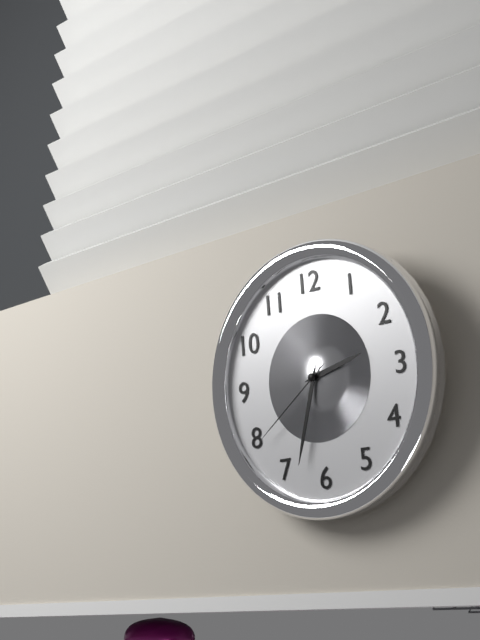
2:33:39
